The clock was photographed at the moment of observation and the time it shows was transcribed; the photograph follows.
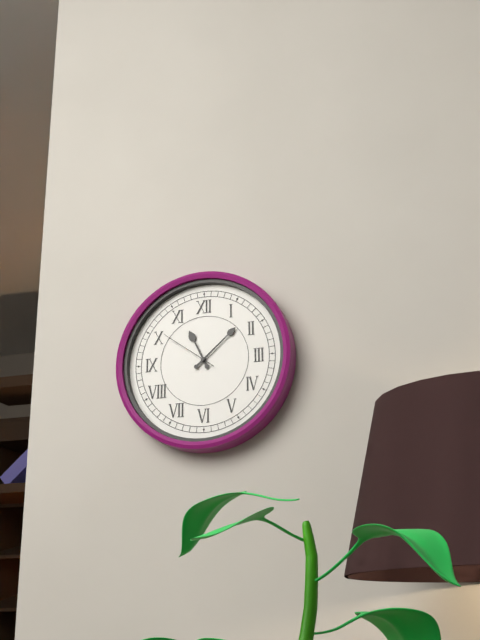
11:08:51
